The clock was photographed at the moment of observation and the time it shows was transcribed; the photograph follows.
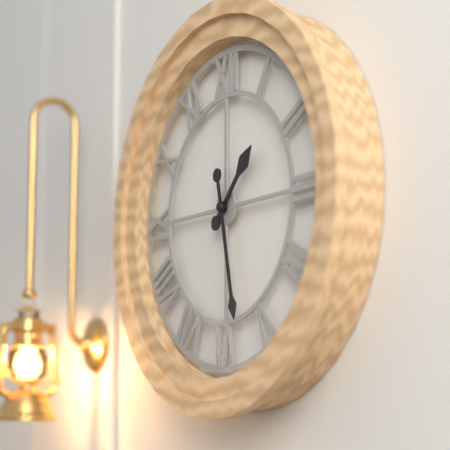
1:28
